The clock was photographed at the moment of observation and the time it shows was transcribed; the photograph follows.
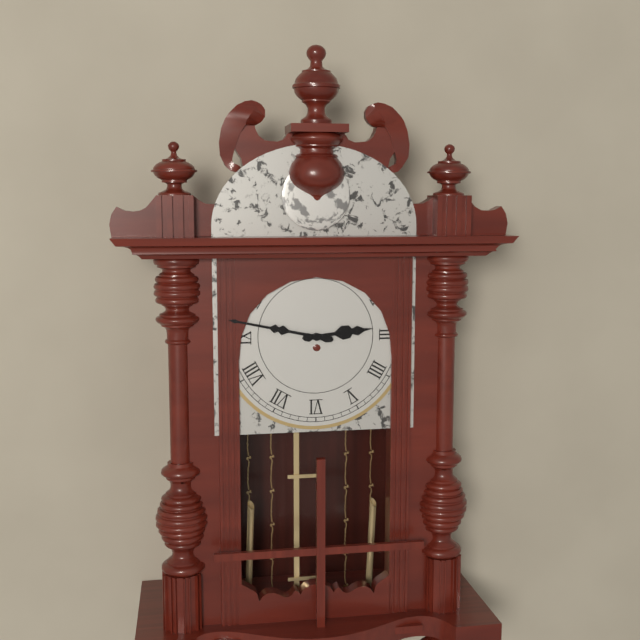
2:47
